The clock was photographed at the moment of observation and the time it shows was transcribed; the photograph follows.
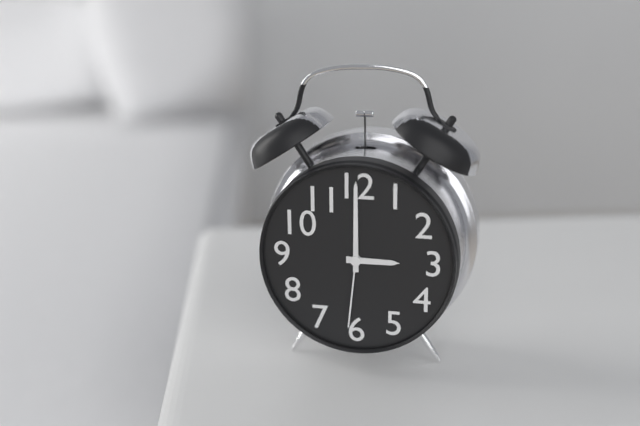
3:00:31
